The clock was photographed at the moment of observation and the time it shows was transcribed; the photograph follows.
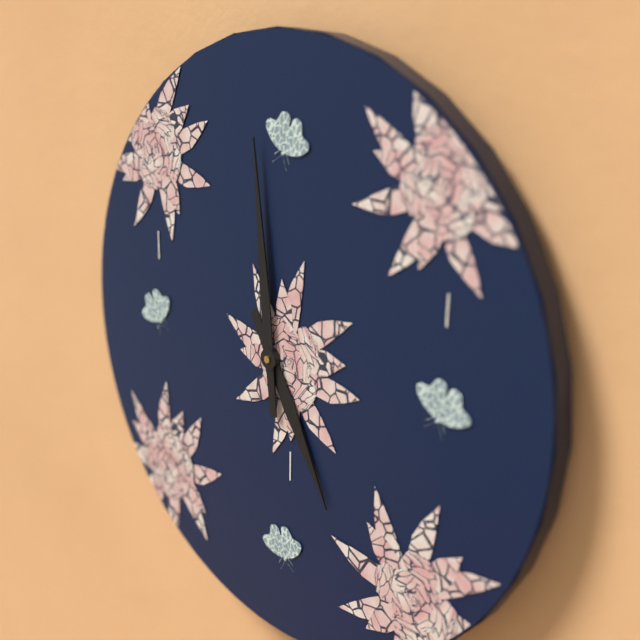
4:59
